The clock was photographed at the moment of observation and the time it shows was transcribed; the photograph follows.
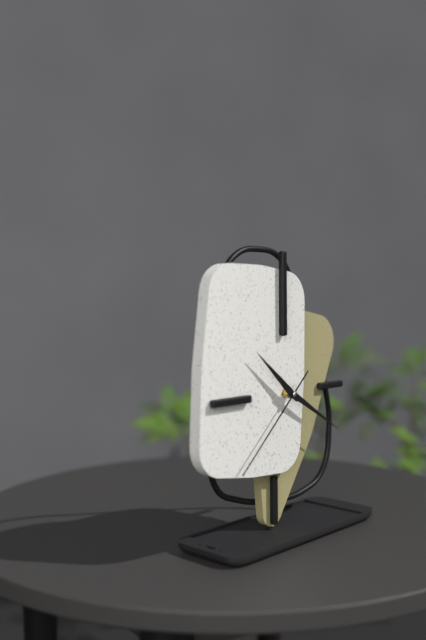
10:20:38
